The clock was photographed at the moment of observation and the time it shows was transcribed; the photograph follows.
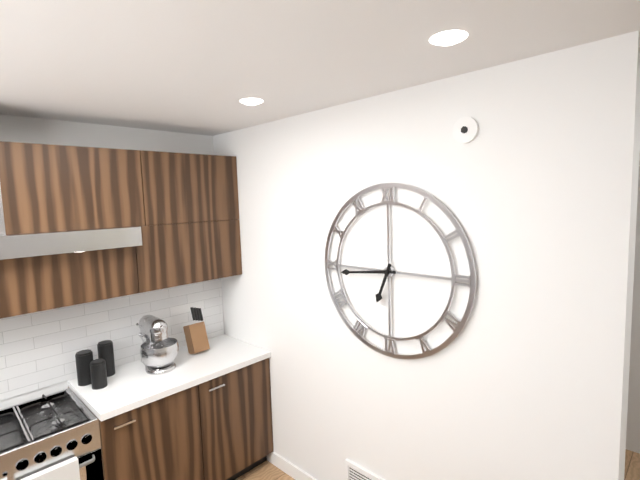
6:44
